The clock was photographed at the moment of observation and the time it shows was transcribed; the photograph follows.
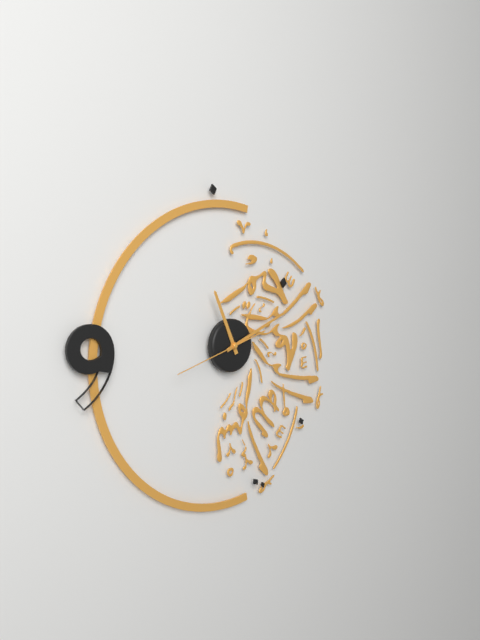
11:11:42
